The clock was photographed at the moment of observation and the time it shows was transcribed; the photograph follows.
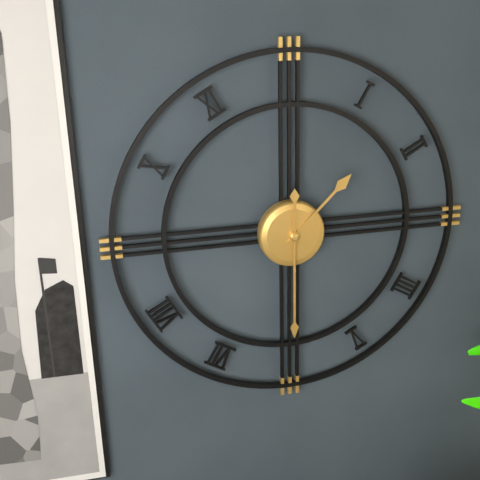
1:30
